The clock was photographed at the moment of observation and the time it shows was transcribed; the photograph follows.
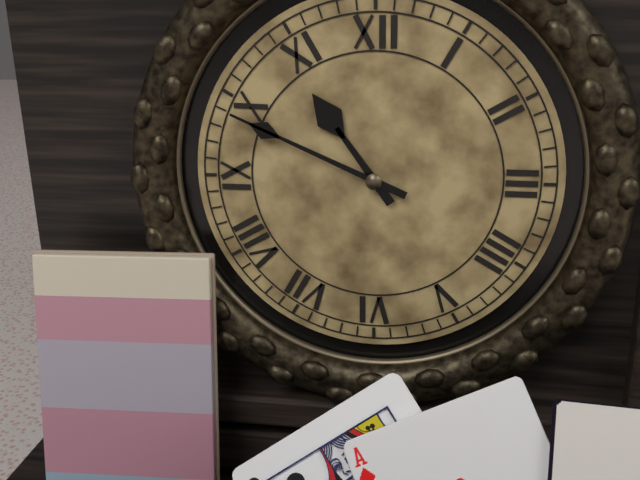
10:49
